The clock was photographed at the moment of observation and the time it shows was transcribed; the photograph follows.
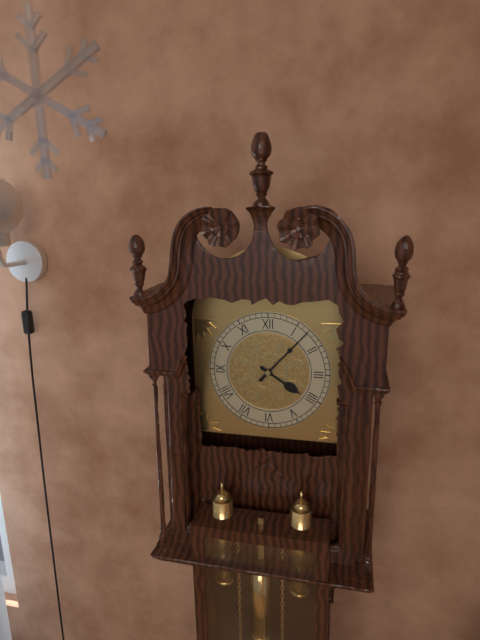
4:07
